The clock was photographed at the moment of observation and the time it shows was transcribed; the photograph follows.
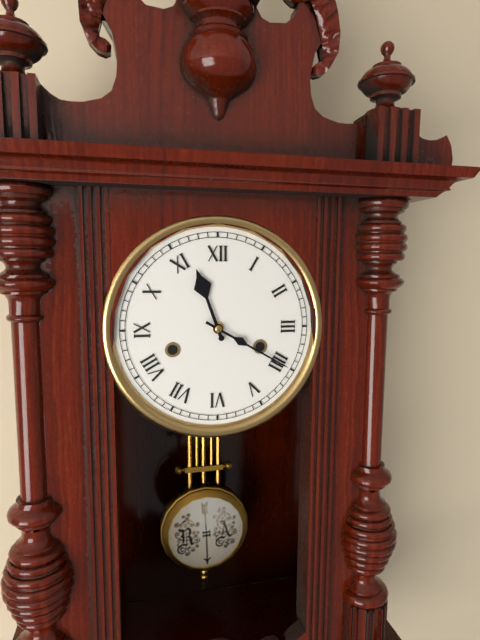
11:20
